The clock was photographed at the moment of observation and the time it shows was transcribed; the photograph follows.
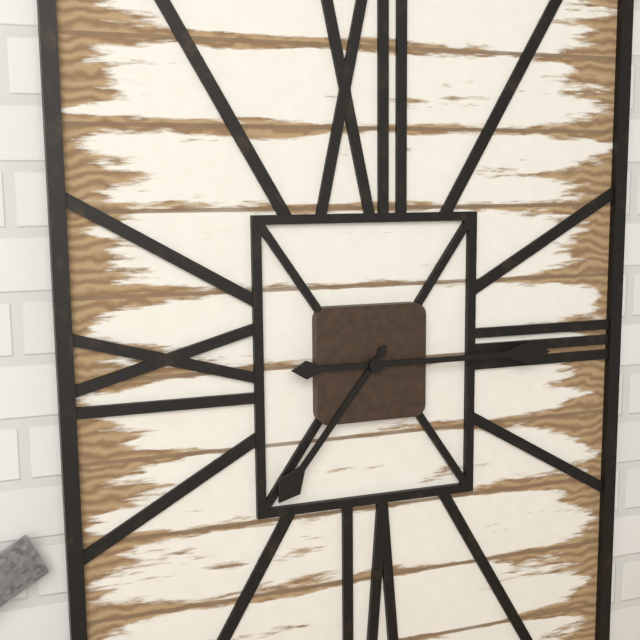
7:15
